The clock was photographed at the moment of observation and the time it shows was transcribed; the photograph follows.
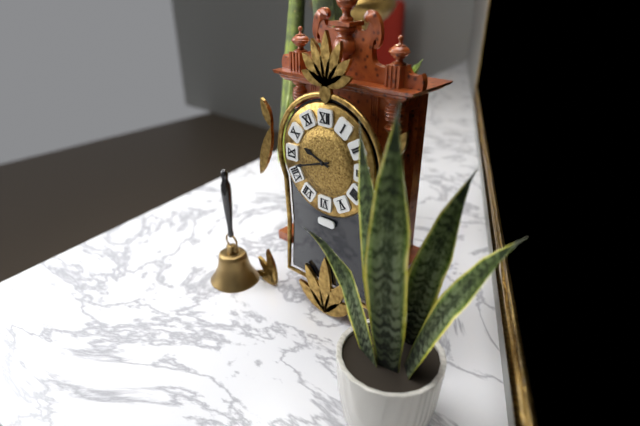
9:42
